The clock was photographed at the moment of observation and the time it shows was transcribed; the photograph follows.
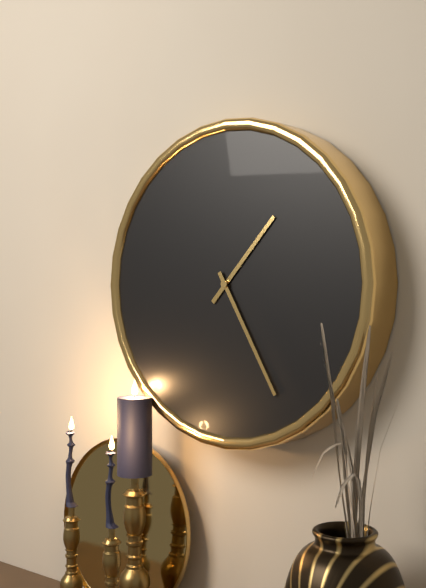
1:25
